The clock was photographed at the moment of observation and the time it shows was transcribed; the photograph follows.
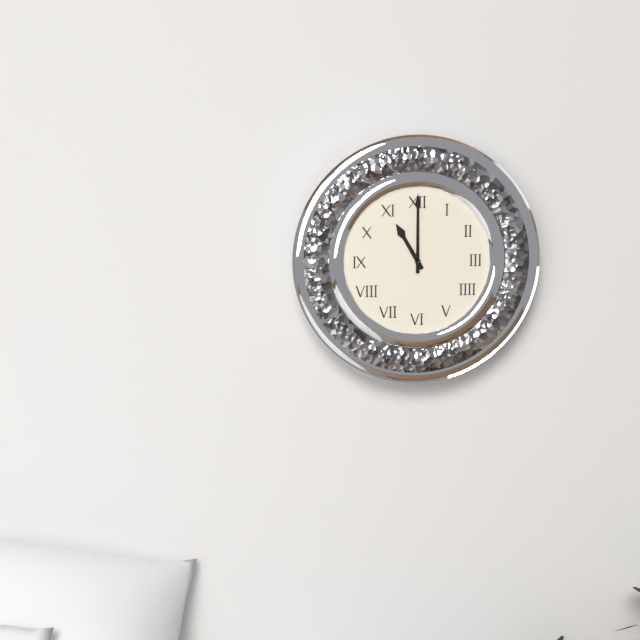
11:00
